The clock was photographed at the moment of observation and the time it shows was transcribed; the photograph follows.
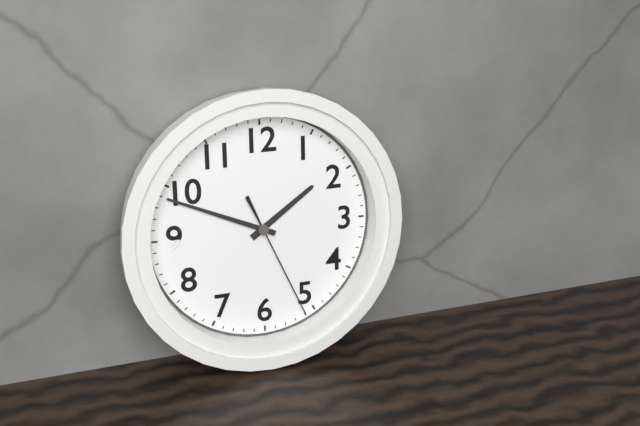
1:49:26
